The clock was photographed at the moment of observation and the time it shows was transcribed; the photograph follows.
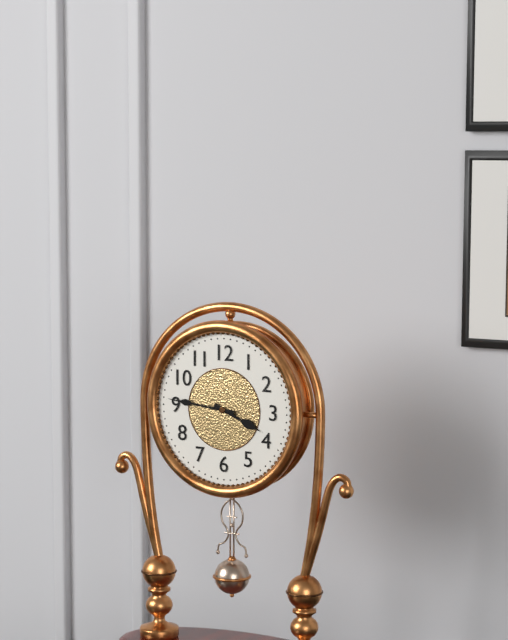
3:46
